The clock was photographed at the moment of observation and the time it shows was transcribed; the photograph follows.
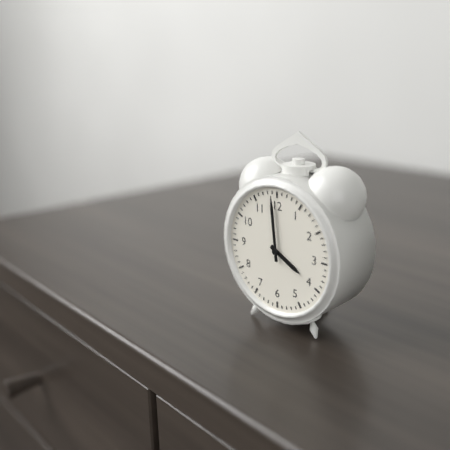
3:59
